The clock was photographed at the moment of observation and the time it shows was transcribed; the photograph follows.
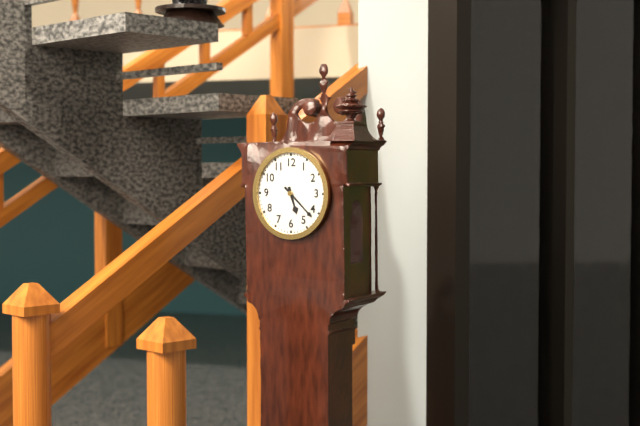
5:22
